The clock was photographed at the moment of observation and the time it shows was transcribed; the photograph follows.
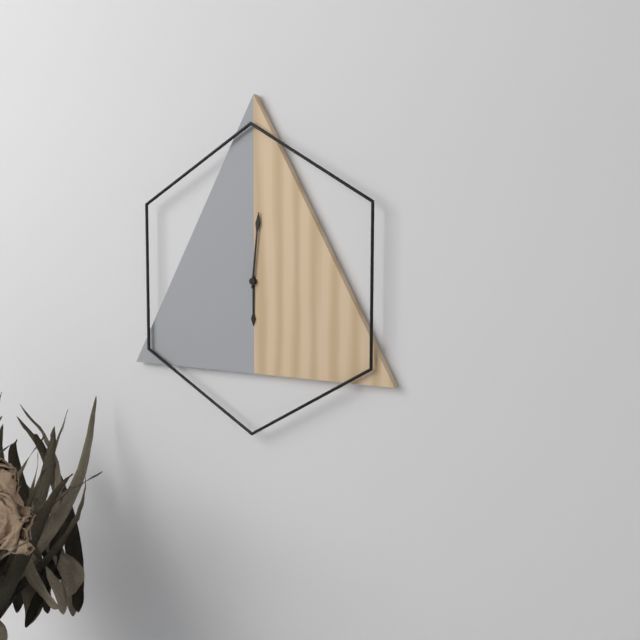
6:01
